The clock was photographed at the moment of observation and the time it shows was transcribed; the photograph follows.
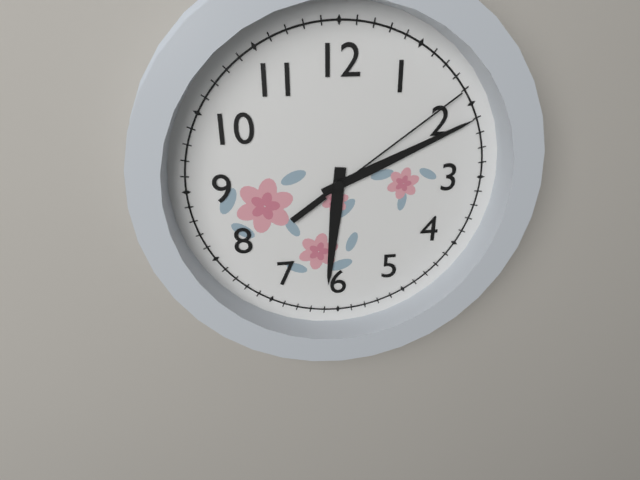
6:11:09
